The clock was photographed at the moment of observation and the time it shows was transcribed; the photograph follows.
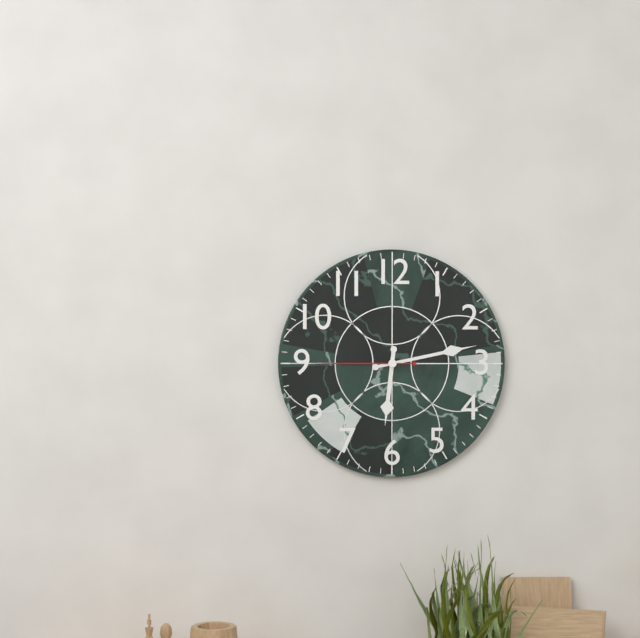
6:13:45
